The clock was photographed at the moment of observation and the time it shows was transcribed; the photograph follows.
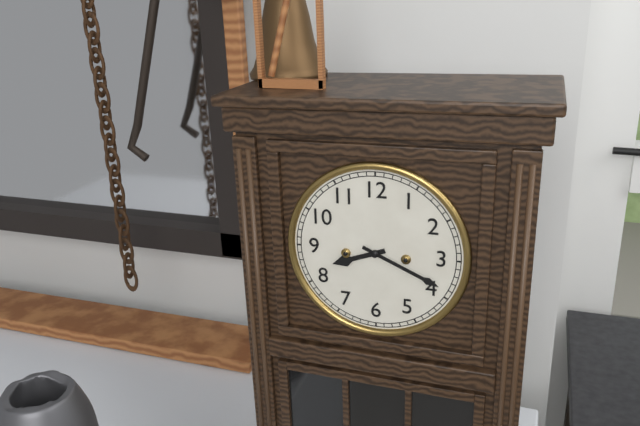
8:19
